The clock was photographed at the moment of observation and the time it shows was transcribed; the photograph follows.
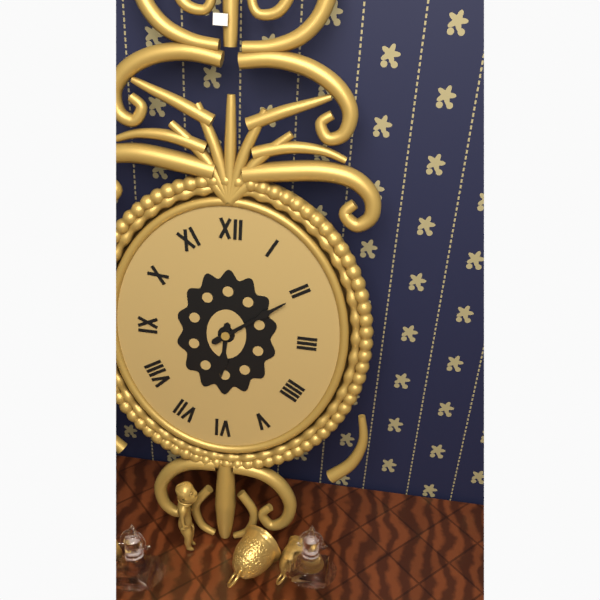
6:09
